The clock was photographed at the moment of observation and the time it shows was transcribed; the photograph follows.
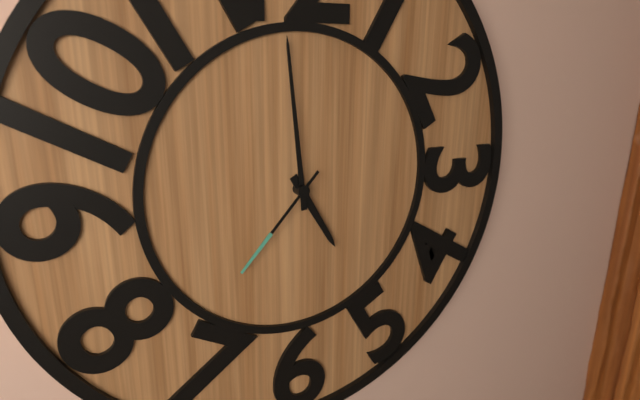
4:59:37
